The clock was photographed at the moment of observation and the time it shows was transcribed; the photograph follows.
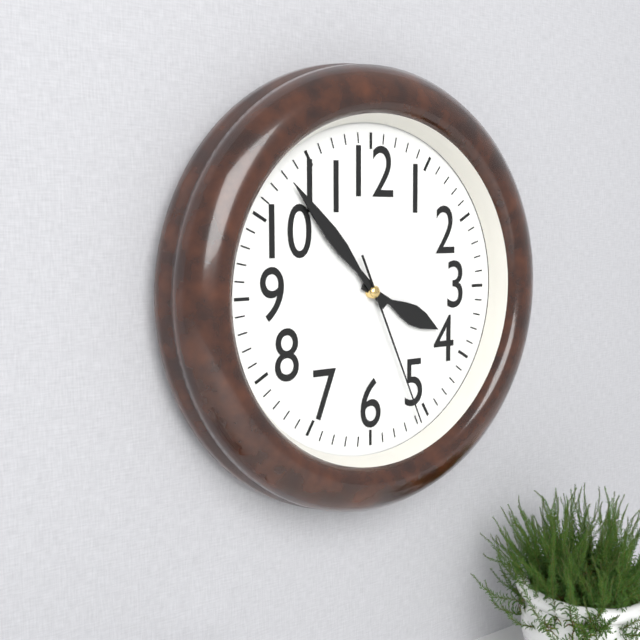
3:53:26
